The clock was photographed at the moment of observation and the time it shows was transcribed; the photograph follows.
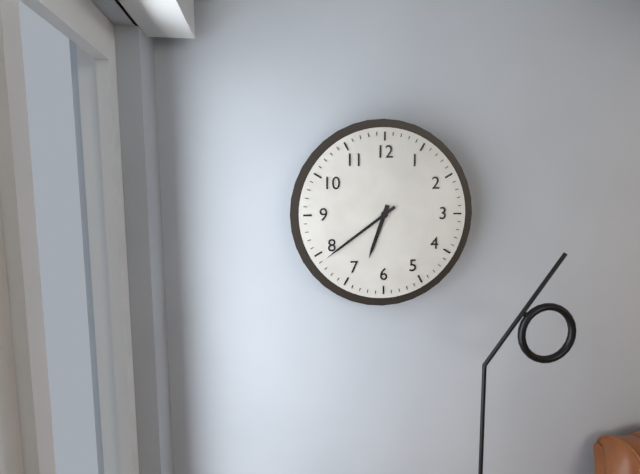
6:39
